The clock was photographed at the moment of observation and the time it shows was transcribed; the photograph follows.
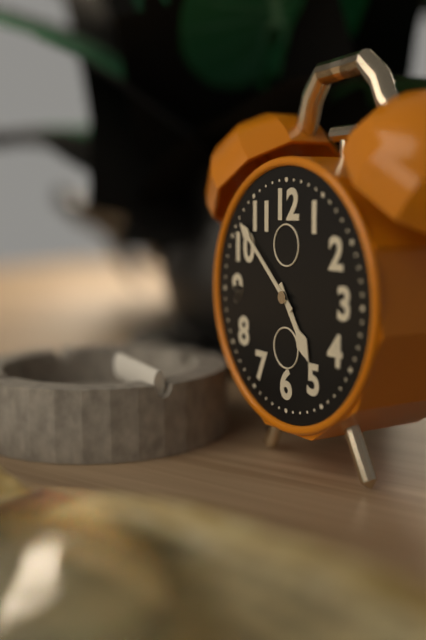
4:52
